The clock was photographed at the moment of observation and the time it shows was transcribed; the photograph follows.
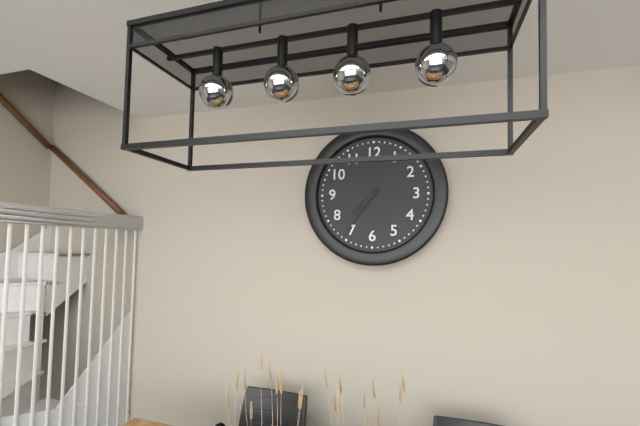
7:36
